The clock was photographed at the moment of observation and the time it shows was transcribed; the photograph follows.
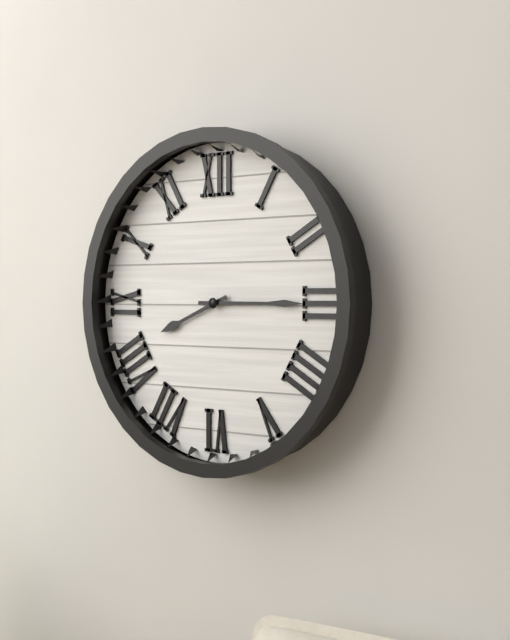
8:15
